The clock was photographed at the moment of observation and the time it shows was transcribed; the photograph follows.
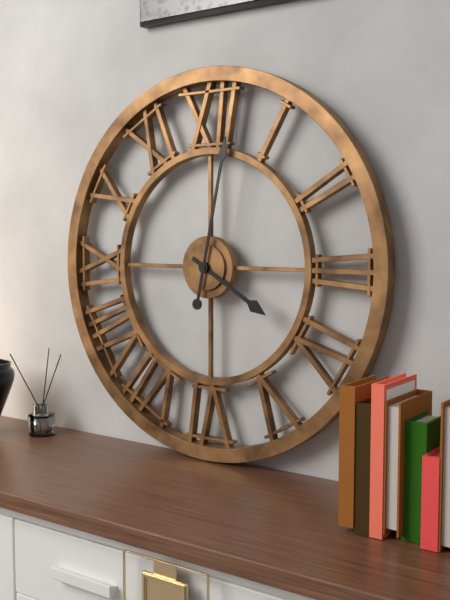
4:02
